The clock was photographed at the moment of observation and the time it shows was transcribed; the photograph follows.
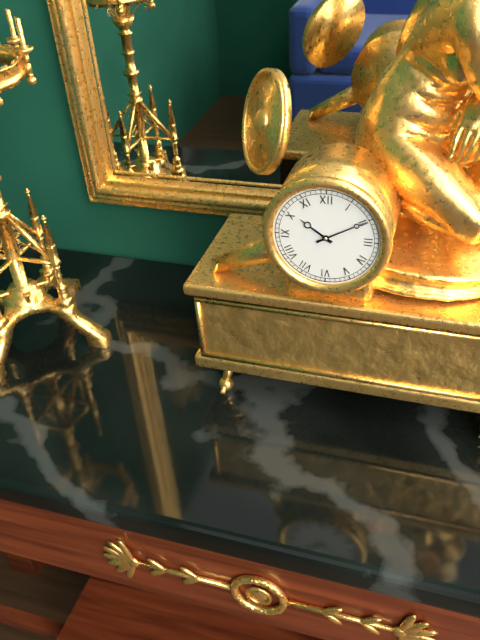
10:10
